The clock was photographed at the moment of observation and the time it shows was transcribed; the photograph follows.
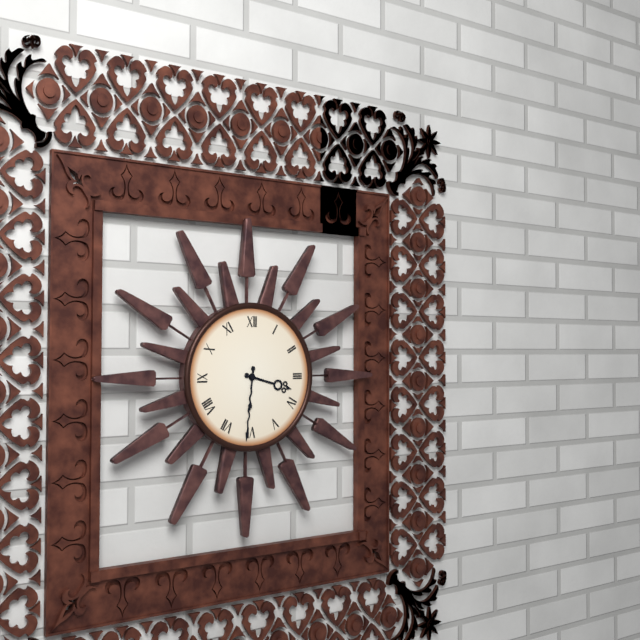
3:31
